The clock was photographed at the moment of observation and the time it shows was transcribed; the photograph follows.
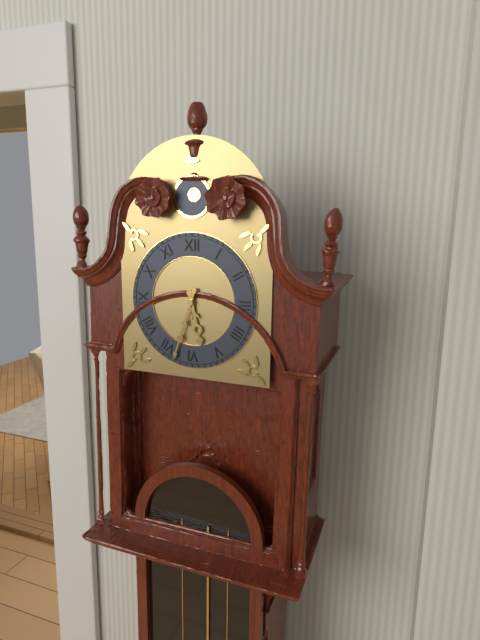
5:33
